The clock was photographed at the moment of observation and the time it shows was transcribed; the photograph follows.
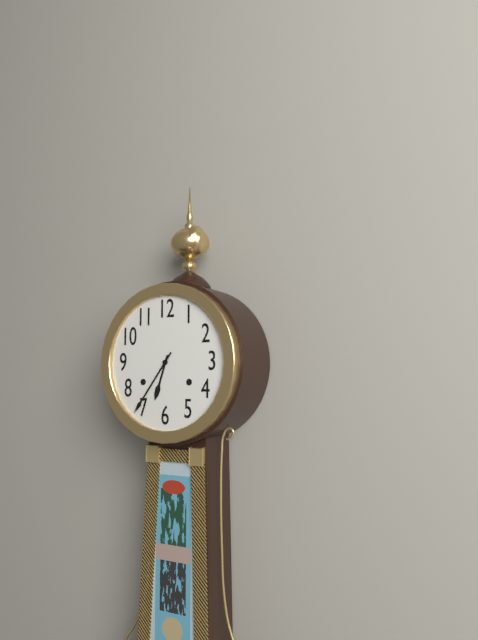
6:36
